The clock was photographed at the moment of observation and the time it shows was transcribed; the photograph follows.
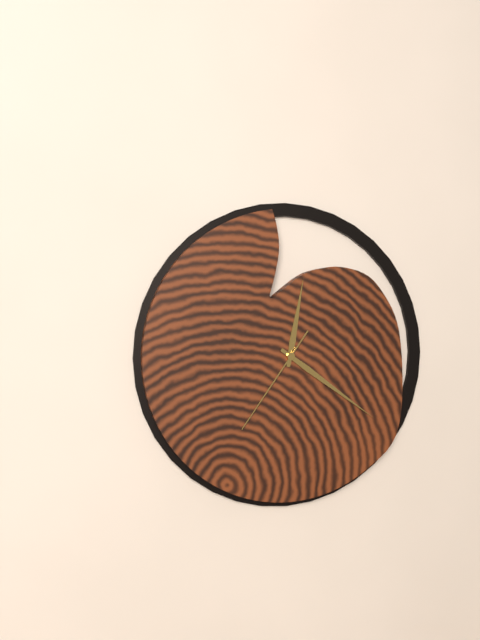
12:21:36
